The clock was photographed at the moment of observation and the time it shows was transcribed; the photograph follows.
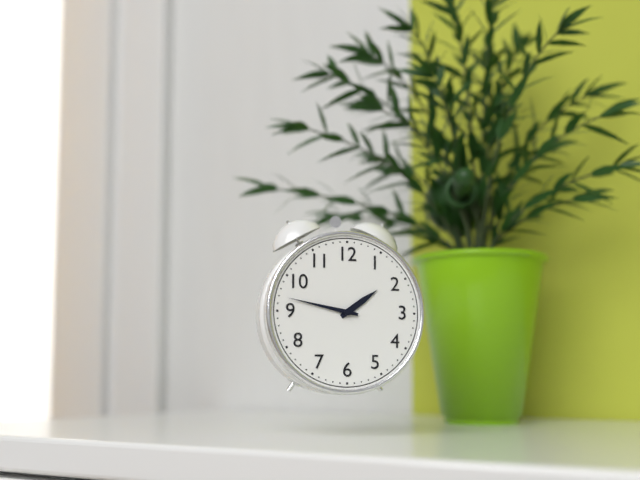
1:47
